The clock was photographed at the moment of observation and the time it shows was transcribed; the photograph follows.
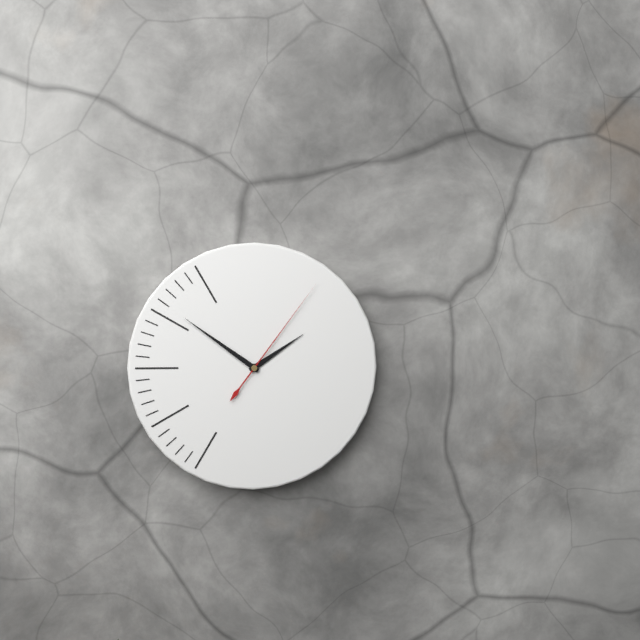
1:51:06
